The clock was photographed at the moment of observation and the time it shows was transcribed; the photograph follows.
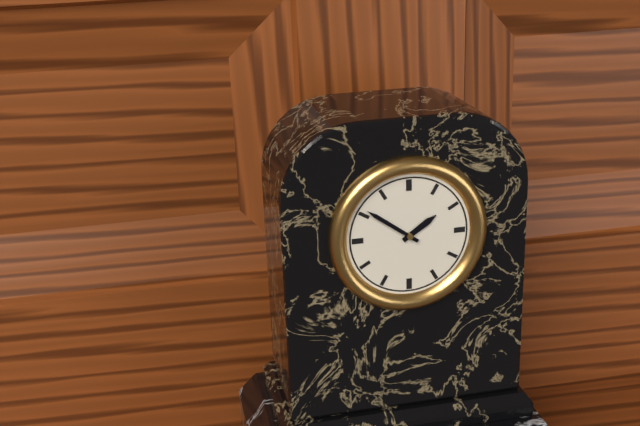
1:51
